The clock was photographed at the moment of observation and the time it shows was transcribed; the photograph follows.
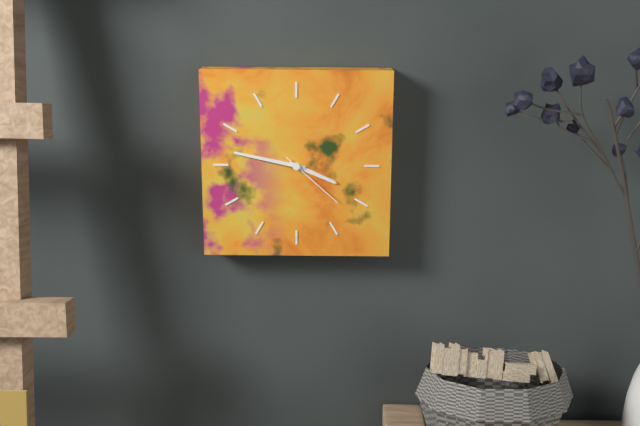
3:47:22
